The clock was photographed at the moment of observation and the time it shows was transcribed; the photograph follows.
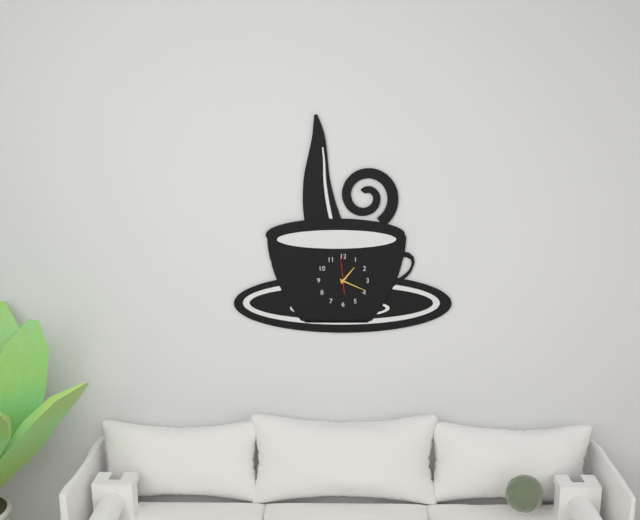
1:19
